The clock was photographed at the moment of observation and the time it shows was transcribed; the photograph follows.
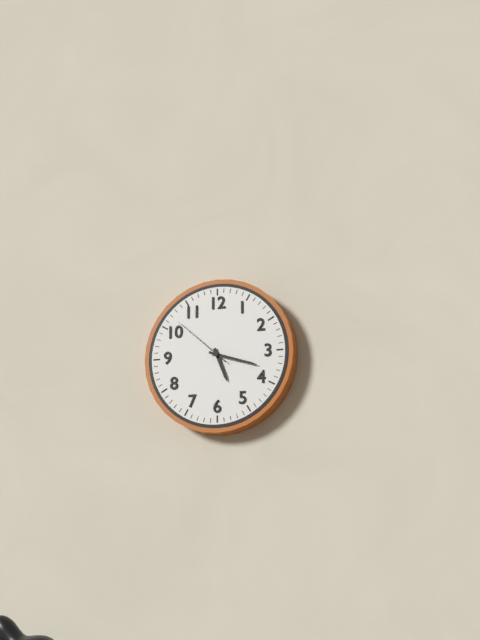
5:18:52
